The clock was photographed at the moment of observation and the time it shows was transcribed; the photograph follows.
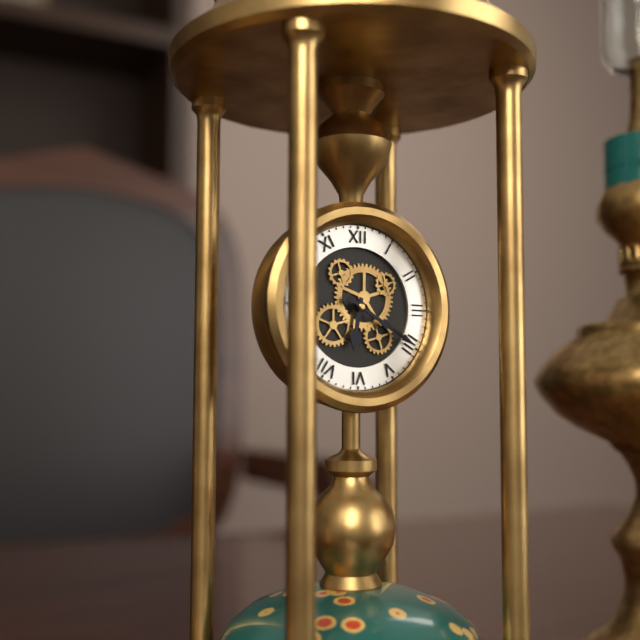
6:20
